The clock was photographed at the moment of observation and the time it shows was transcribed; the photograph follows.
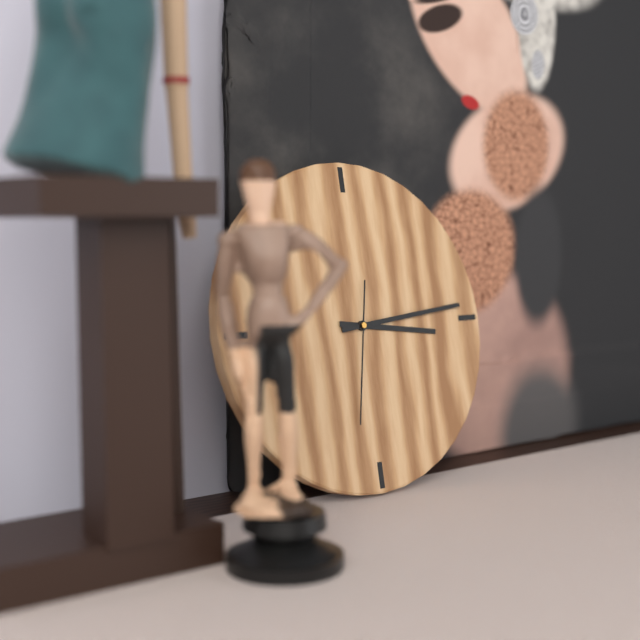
3:14:32
